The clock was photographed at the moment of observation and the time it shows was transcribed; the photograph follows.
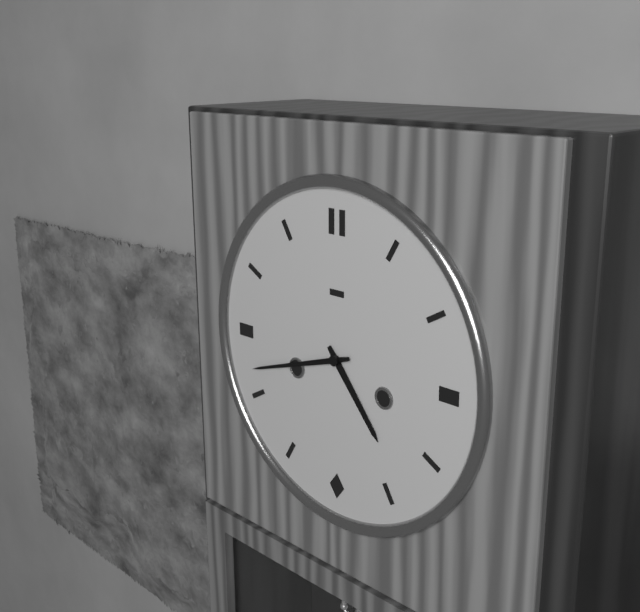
4:42
